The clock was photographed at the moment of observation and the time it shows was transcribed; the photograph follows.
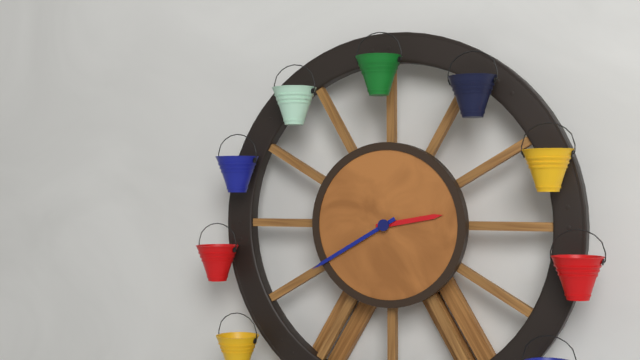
2:40
